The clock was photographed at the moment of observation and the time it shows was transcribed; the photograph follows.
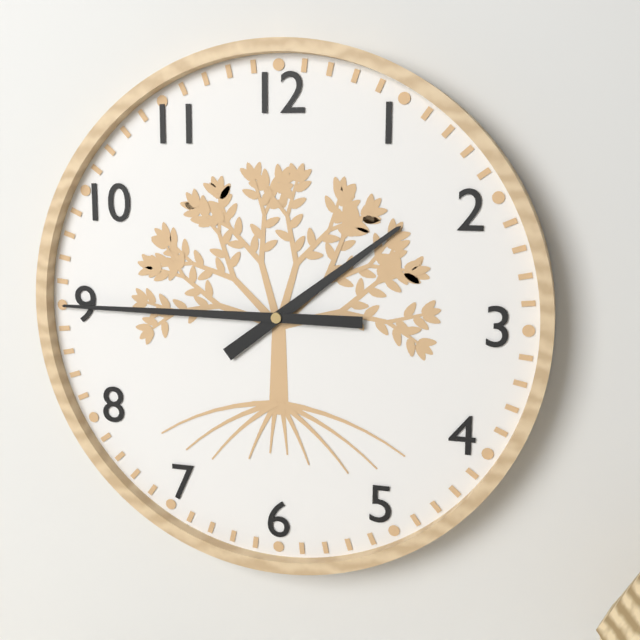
1:45
